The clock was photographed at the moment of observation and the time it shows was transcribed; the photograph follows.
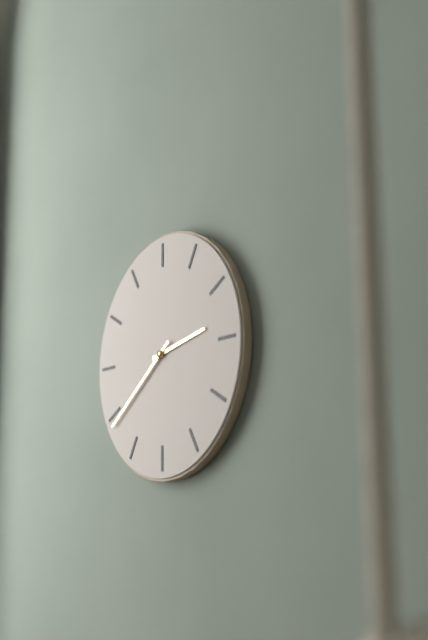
2:39
